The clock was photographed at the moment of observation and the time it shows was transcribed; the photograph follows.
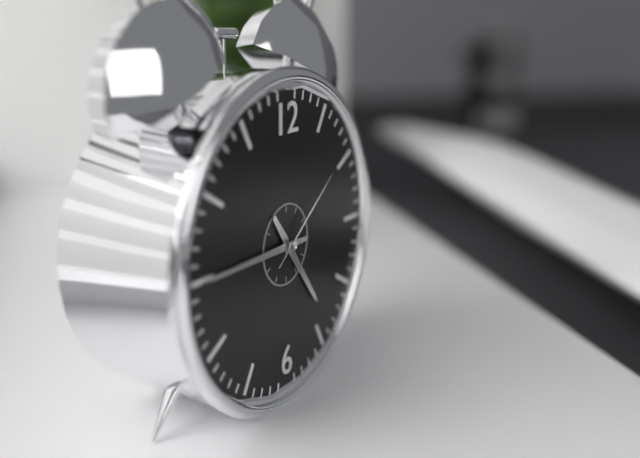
4:45:09
